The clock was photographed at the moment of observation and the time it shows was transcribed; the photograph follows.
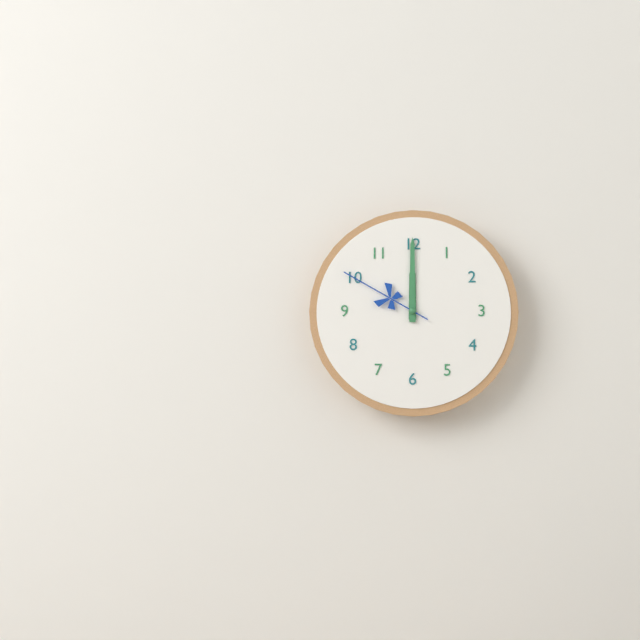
12:00:50
